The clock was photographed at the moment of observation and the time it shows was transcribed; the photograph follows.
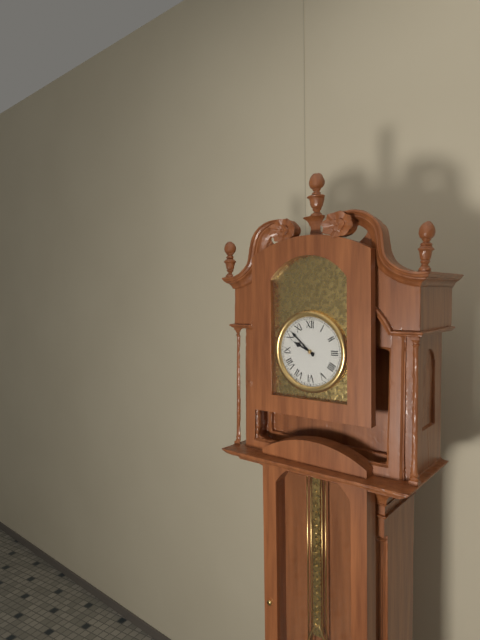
9:52
